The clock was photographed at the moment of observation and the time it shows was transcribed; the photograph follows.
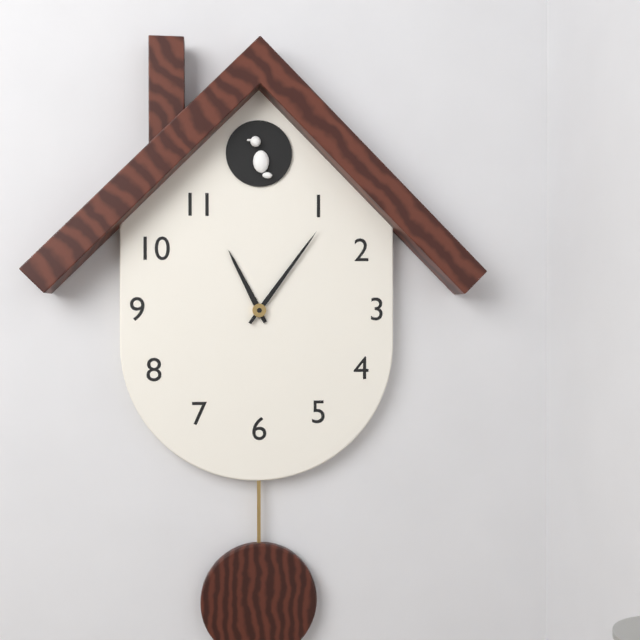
11:06
